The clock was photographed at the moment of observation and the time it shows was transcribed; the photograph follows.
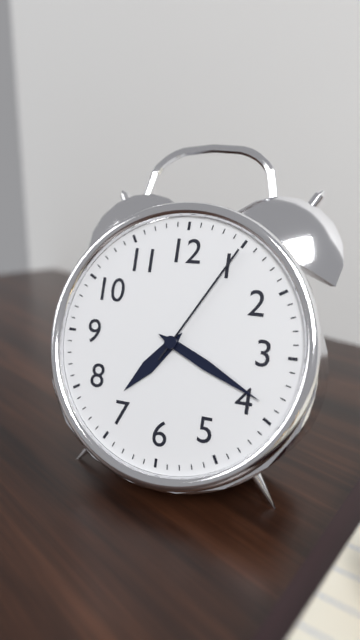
7:19:05
